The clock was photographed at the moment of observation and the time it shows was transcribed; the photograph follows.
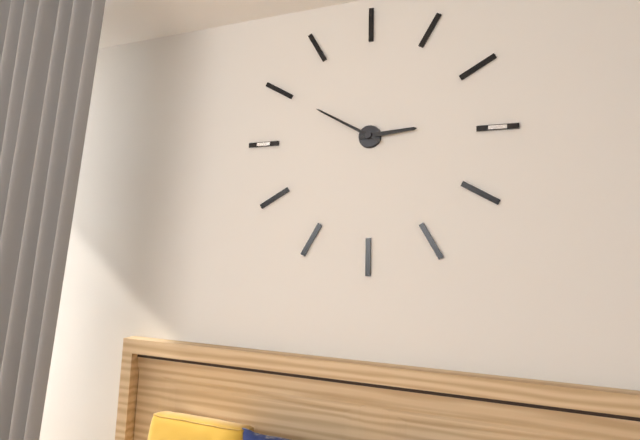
2:50
